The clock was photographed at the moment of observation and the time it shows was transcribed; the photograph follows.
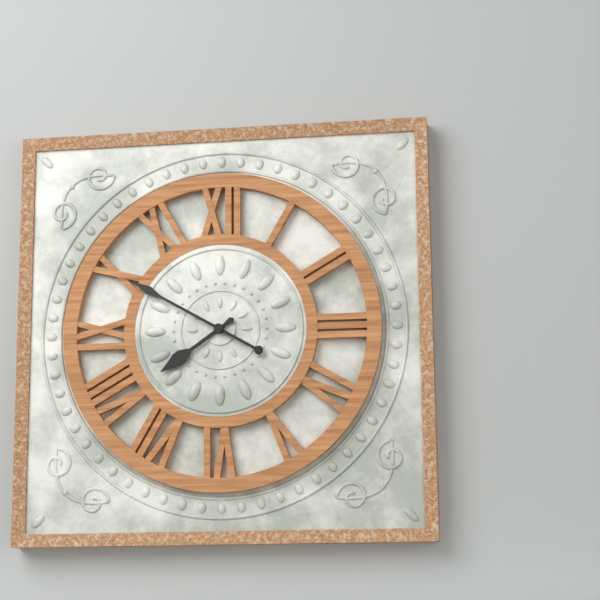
7:50
